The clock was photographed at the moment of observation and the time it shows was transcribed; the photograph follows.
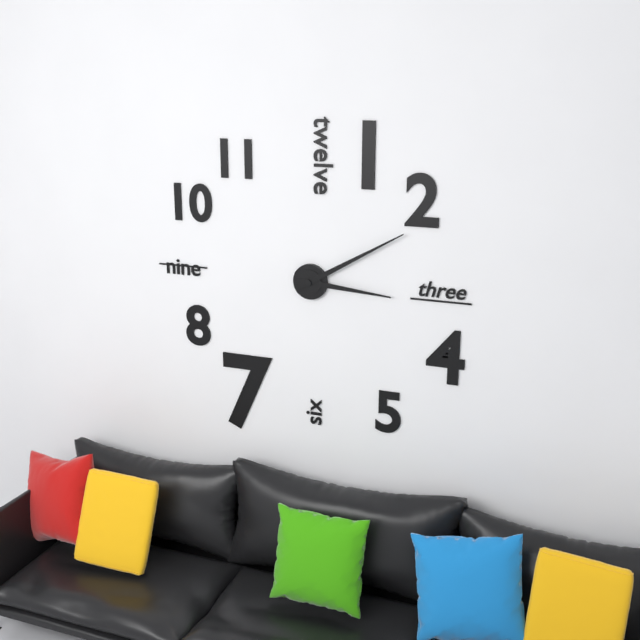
3:10
